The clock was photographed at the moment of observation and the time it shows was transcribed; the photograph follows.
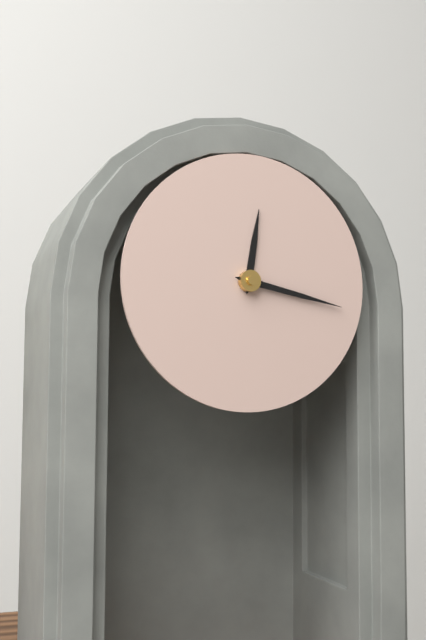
12:17
